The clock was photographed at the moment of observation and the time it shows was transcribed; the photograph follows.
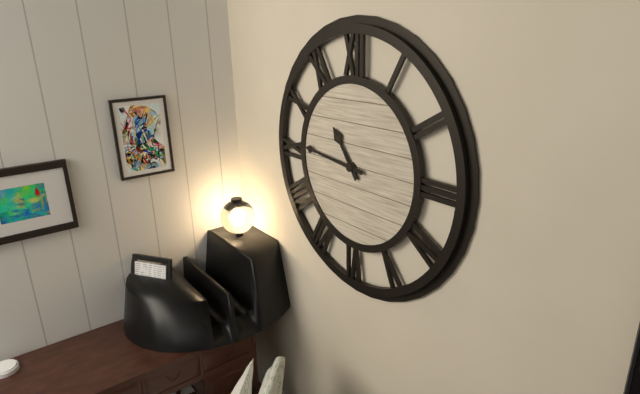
10:46
